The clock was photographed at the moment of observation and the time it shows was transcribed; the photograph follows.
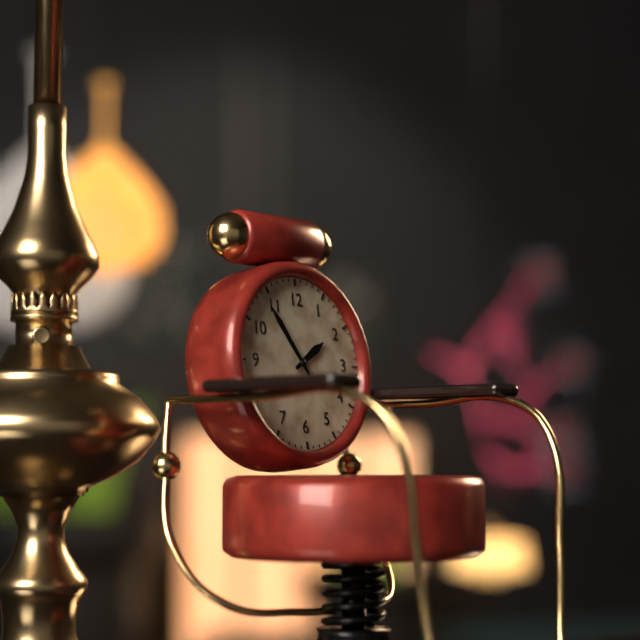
1:54
